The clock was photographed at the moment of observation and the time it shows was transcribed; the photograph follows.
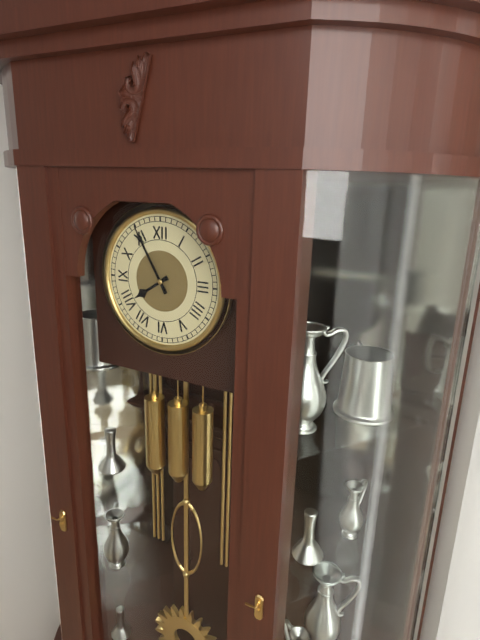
7:55
